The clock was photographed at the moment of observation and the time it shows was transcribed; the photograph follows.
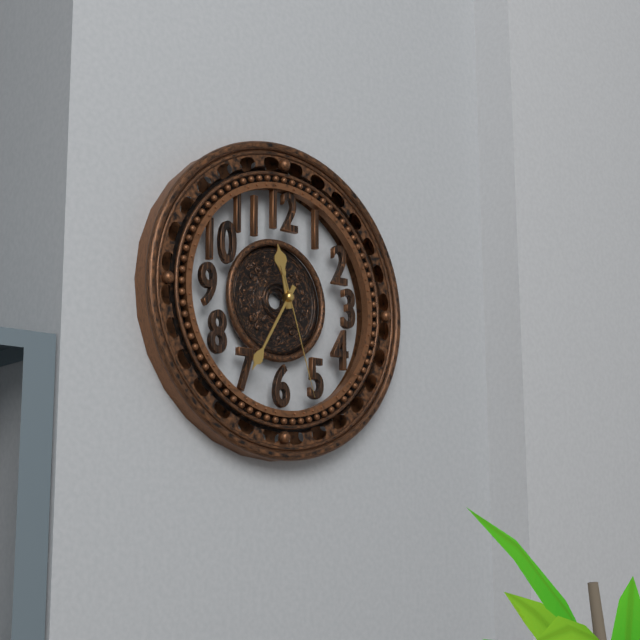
11:35:27
